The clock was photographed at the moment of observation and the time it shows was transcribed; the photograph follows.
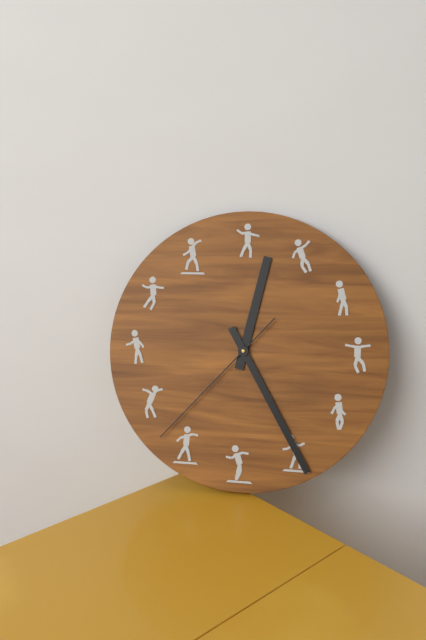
12:25:37
